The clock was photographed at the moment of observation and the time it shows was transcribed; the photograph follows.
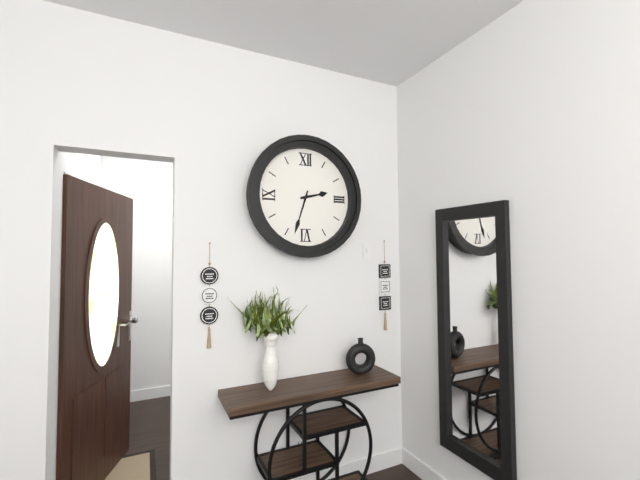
2:33
